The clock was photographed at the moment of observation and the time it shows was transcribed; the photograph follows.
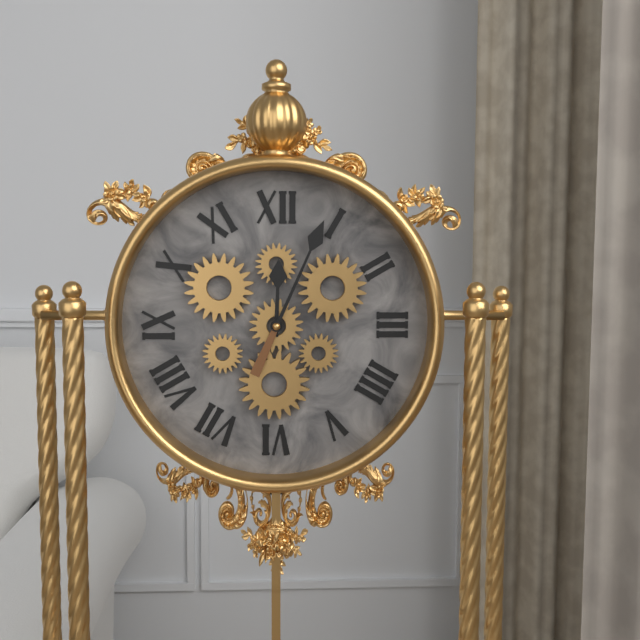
12:04
